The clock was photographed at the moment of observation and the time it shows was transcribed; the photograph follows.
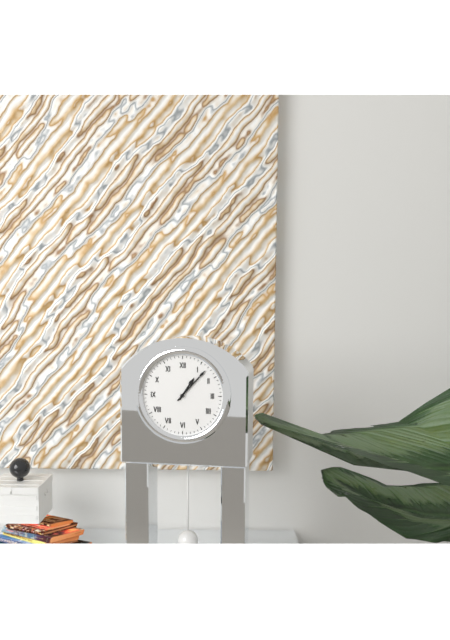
1:07
